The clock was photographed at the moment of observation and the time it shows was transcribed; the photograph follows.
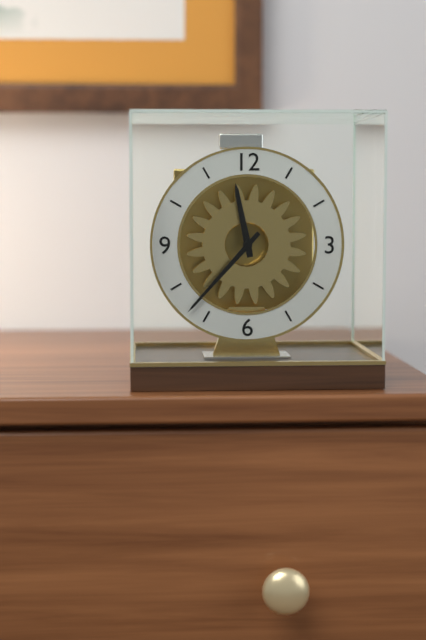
11:37
